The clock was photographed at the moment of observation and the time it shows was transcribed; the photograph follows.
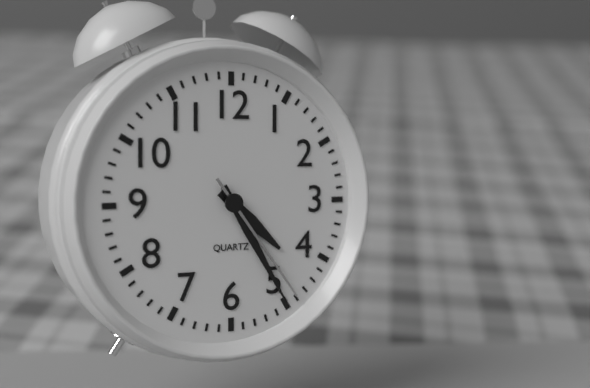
4:25:24
